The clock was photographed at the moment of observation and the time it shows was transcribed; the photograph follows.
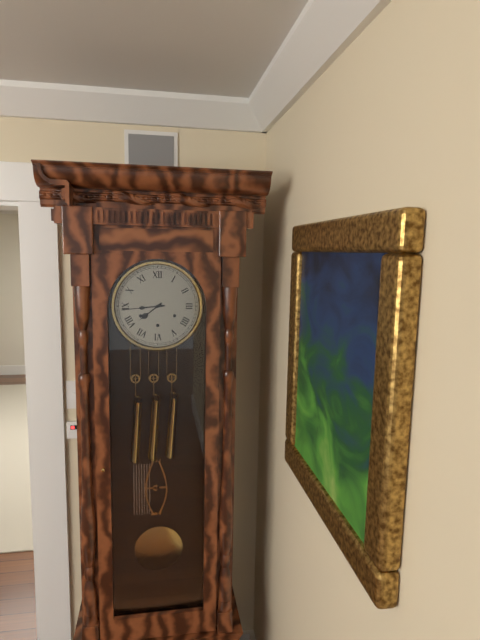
7:44
